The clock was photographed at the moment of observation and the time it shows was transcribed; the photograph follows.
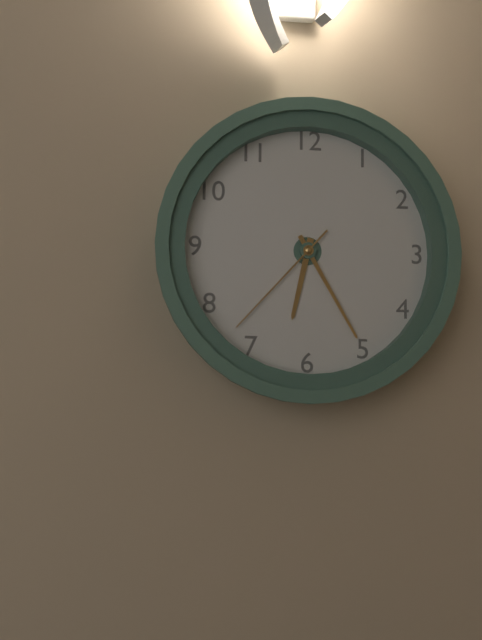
6:25:37
